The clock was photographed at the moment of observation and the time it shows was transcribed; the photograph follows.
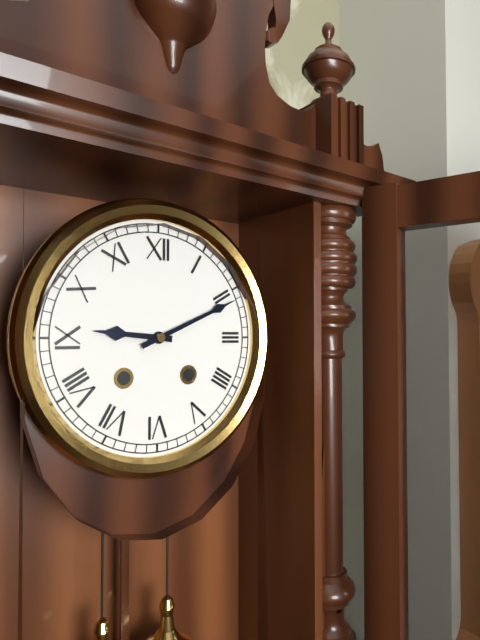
9:11
